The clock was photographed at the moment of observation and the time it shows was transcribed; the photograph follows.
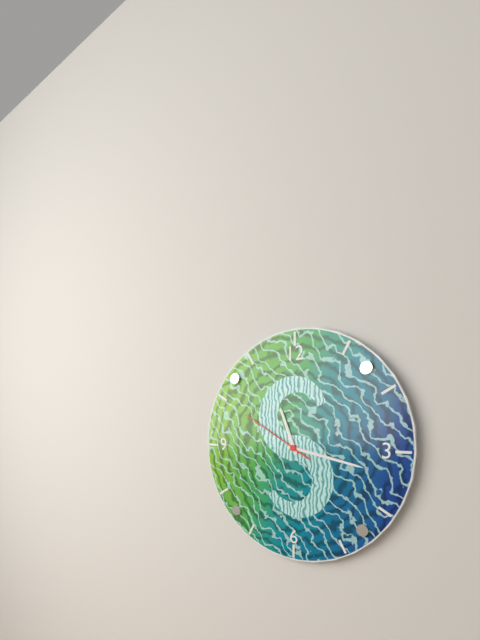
11:17:50
